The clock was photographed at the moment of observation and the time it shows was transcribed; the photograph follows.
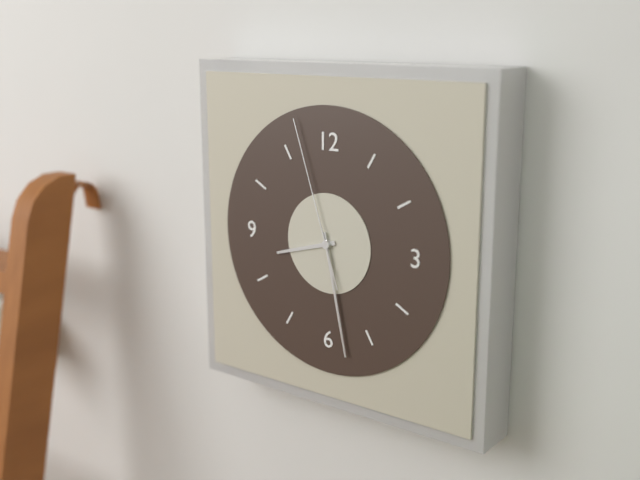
8:28:57
